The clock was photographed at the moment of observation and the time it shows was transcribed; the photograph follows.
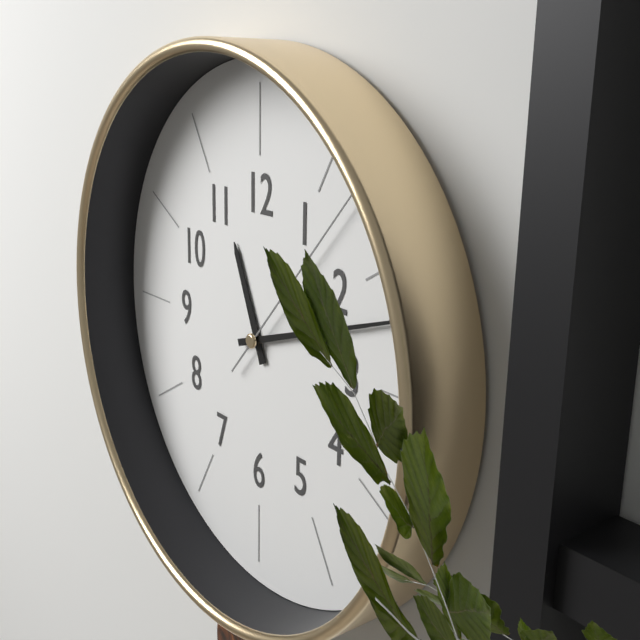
11:12:07
